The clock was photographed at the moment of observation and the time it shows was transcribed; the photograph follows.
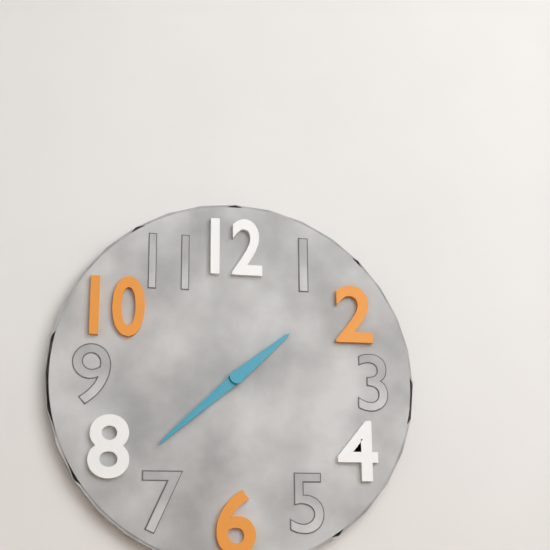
1:38
